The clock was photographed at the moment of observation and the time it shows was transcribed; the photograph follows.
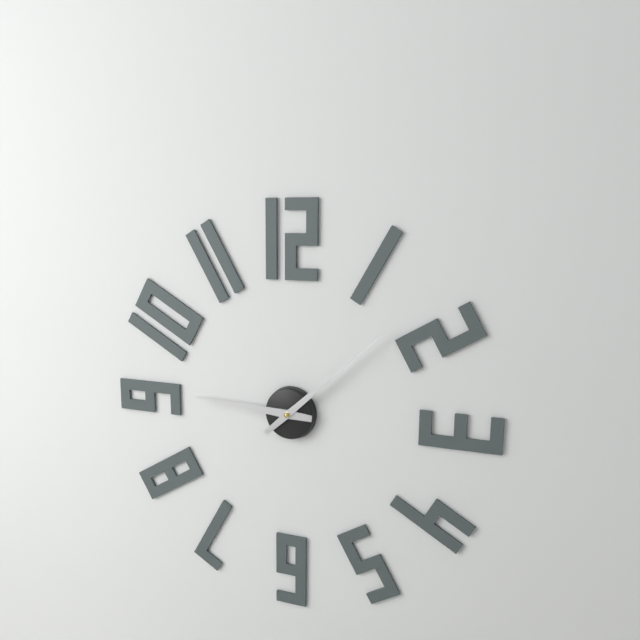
9:08
